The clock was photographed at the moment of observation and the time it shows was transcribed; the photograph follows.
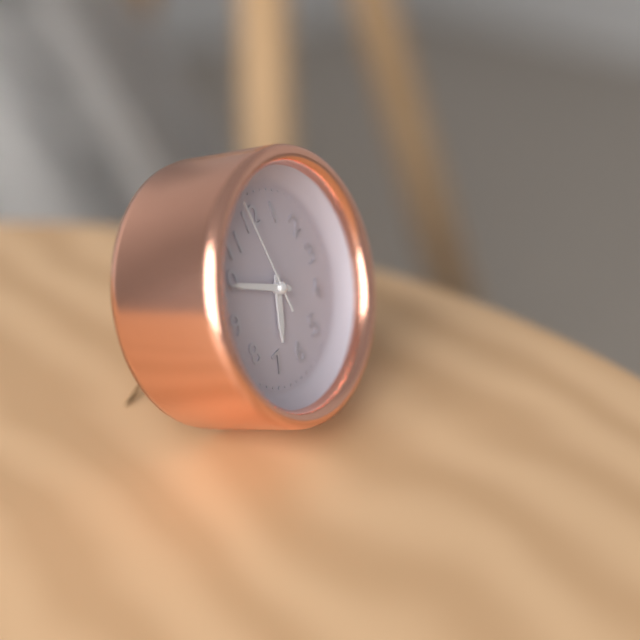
6:50:59
